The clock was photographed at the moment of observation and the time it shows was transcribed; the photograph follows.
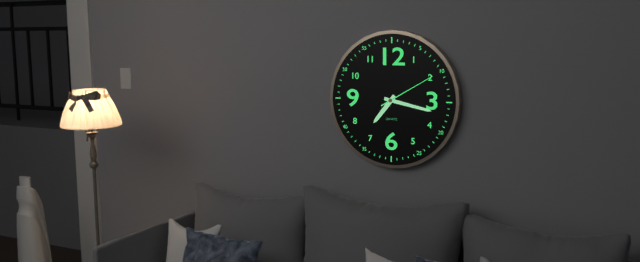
7:17:10
